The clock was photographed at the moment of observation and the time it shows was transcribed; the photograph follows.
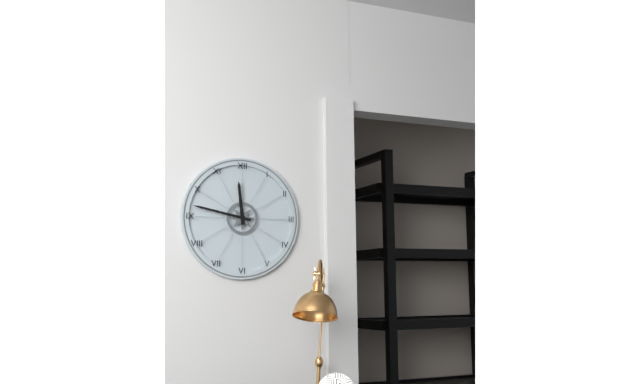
11:47
